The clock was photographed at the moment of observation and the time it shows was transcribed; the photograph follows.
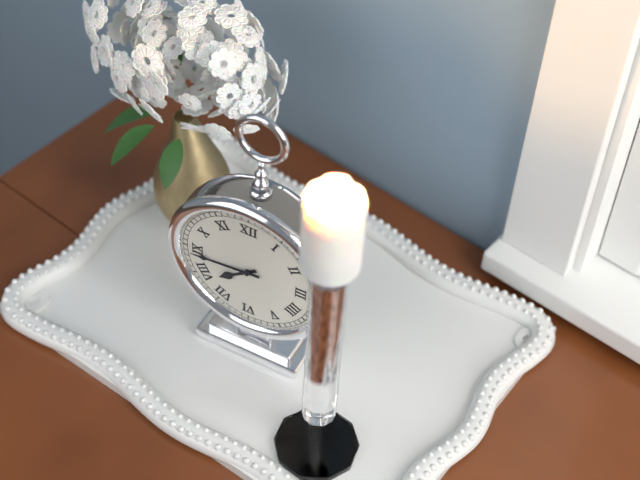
7:44
